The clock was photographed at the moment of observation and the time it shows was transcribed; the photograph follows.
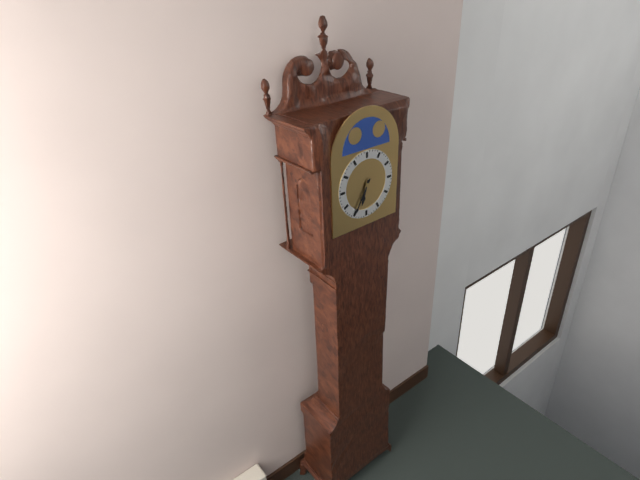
6:35
